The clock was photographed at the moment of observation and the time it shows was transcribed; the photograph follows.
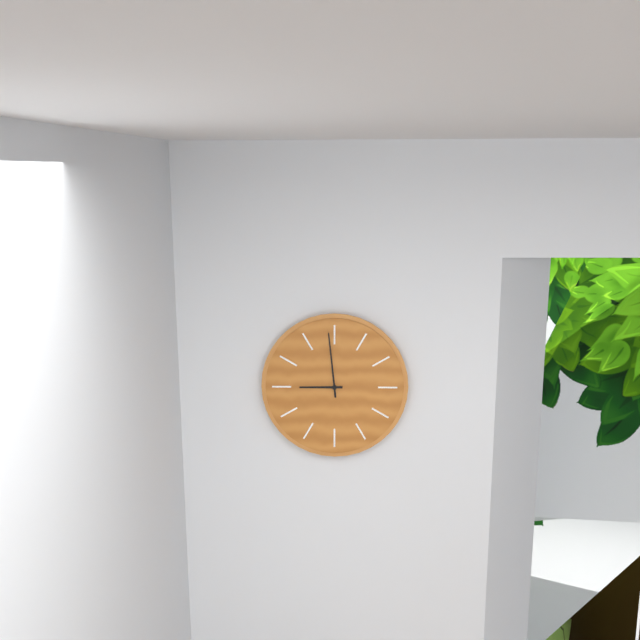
8:59
